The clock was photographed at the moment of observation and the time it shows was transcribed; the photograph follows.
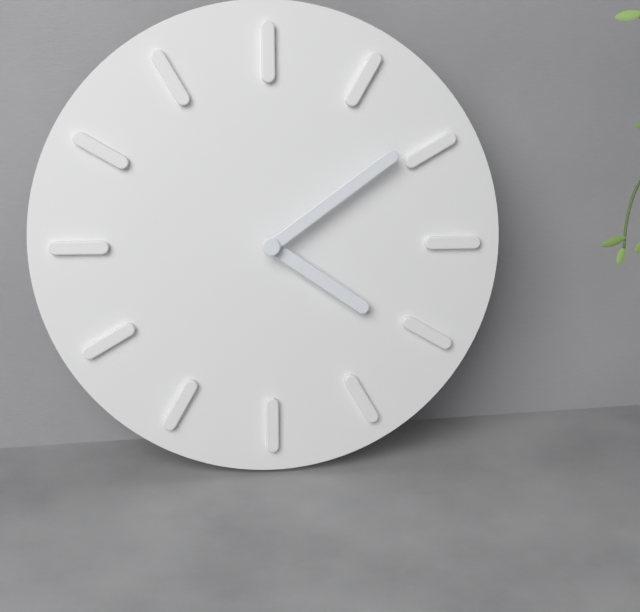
4:09
